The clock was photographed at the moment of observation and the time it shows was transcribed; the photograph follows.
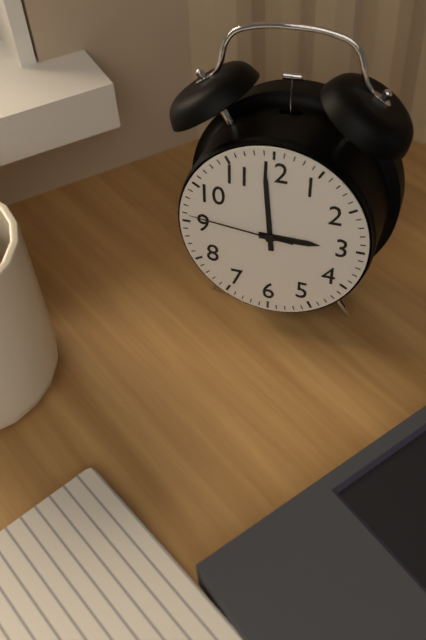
2:59:46
